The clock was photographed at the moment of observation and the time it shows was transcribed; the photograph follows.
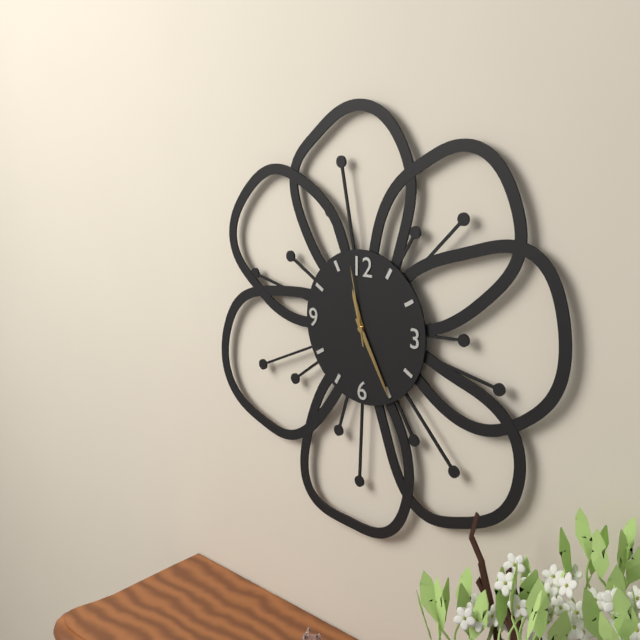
11:25:58
